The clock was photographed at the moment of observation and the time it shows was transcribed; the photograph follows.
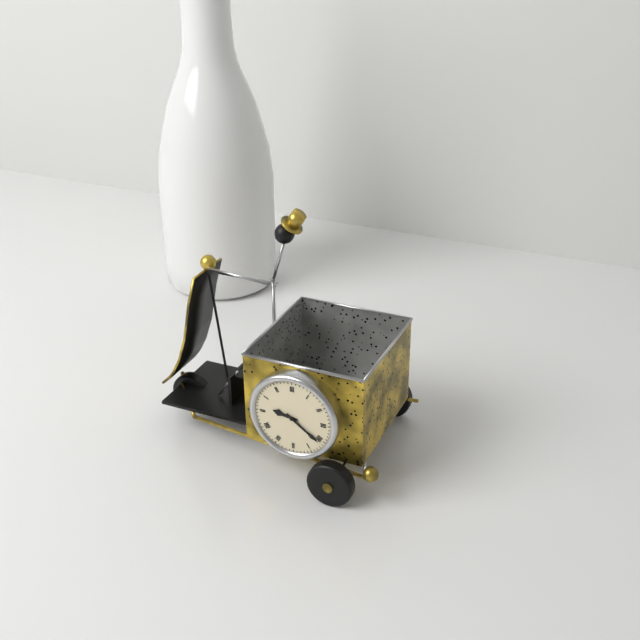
9:21
